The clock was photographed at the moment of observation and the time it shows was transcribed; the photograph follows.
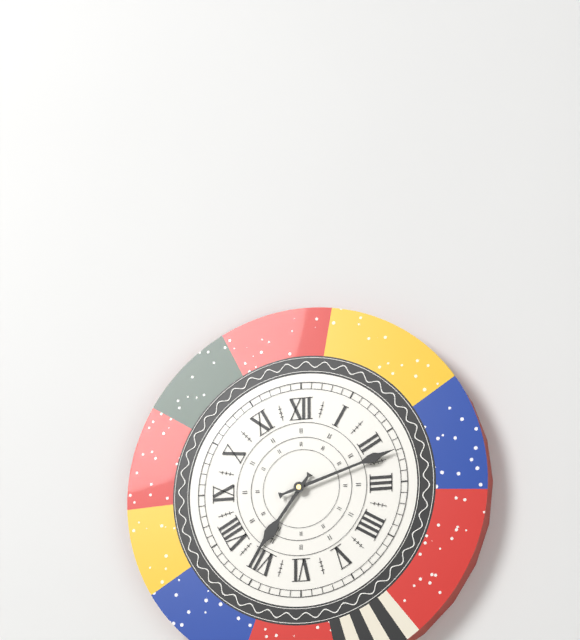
7:12
